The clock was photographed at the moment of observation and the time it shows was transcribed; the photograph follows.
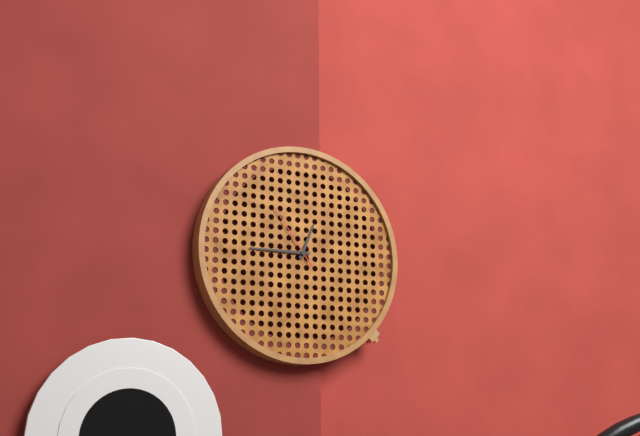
12:45:54
